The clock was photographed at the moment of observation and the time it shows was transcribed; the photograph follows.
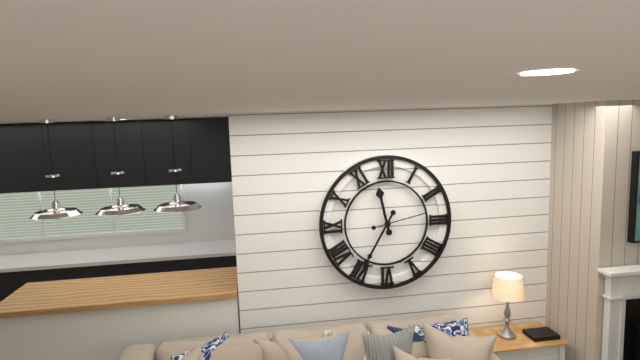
11:35:13
